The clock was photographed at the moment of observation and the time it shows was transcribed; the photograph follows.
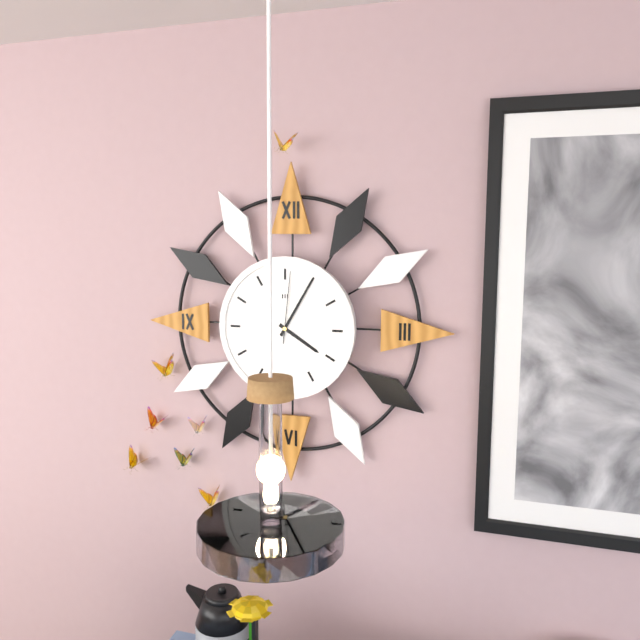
4:05:01
